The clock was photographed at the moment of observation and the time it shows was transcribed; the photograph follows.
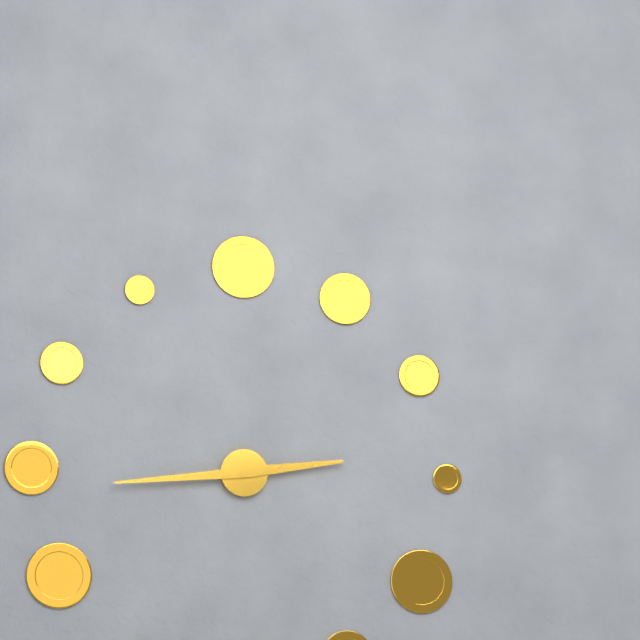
2:44
